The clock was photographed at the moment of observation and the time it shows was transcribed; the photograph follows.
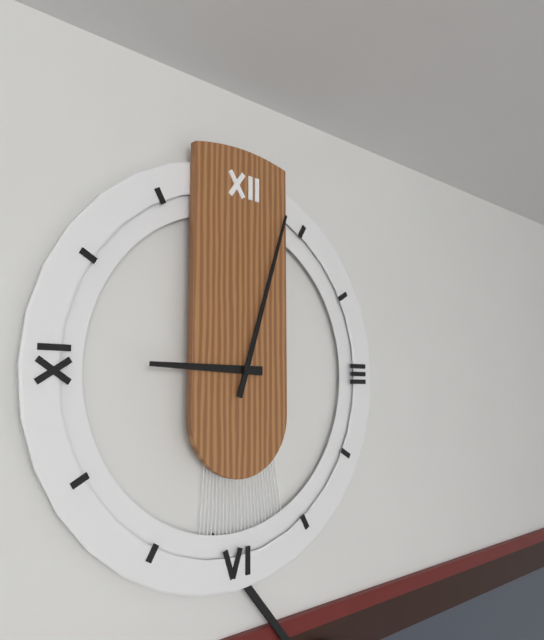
9:03
